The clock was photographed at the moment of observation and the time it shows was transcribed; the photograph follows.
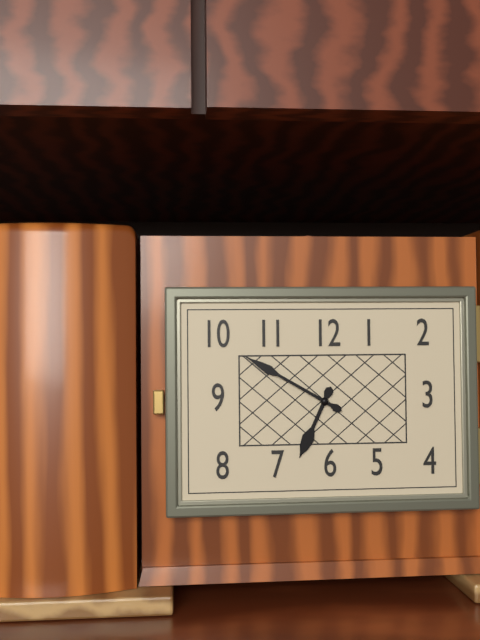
6:50
